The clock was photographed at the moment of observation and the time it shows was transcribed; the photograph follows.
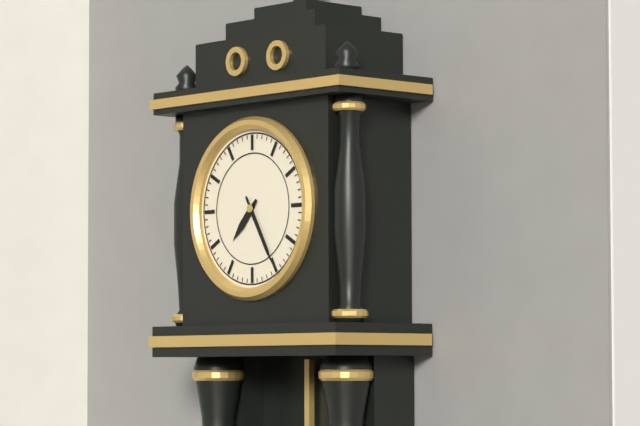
7:25
